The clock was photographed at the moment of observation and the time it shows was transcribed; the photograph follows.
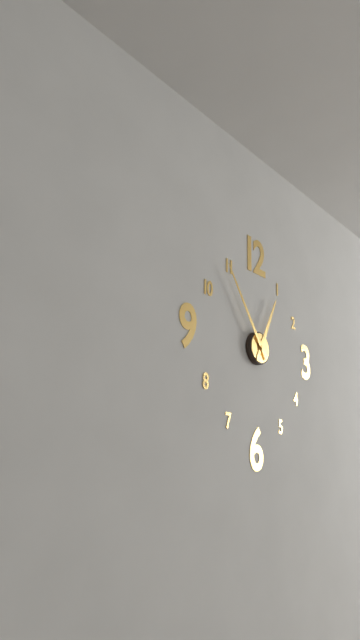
12:54
